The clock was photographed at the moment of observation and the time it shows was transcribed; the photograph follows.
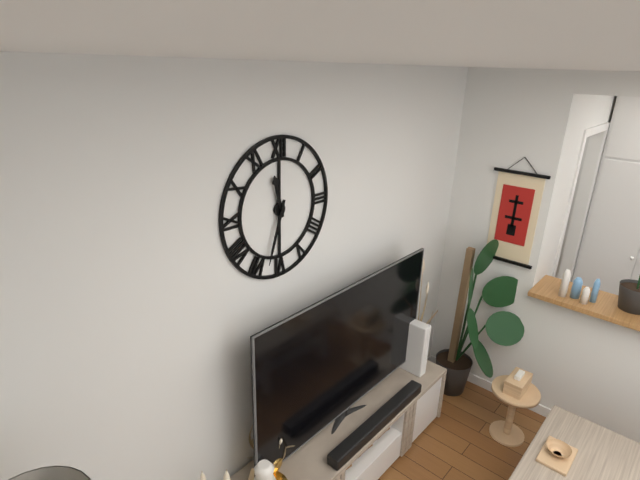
11:33
